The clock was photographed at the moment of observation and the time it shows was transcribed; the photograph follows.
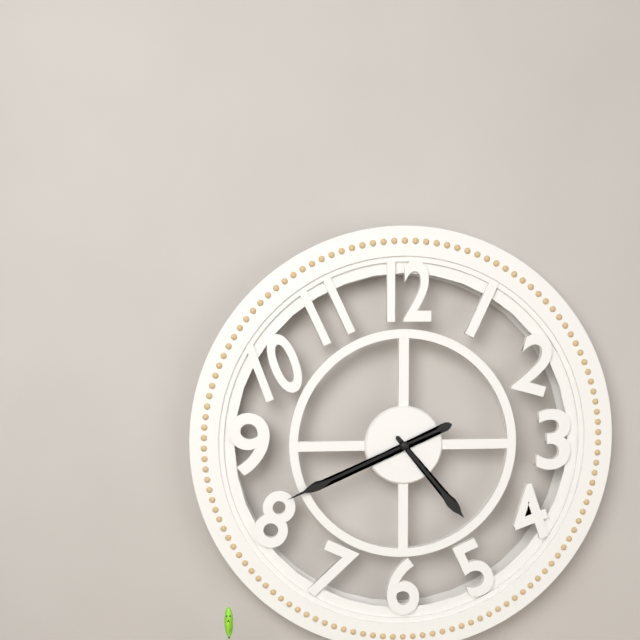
4:41
